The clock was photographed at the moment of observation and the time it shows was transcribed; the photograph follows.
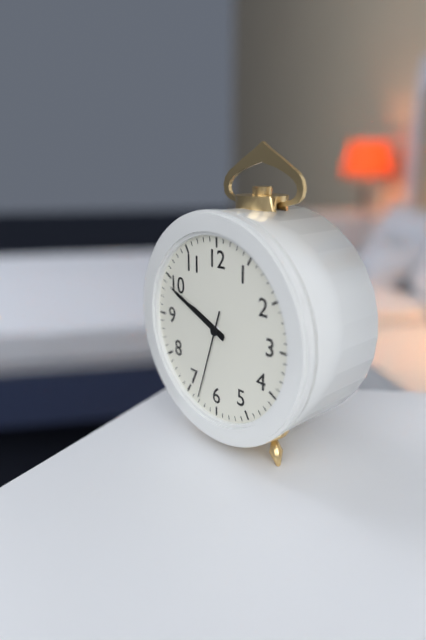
9:49:33
